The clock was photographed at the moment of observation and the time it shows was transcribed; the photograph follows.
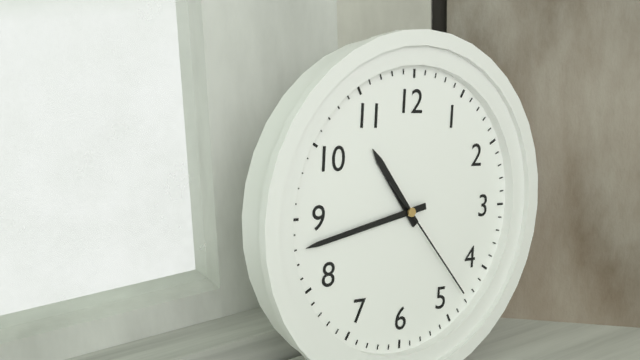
10:43:23
